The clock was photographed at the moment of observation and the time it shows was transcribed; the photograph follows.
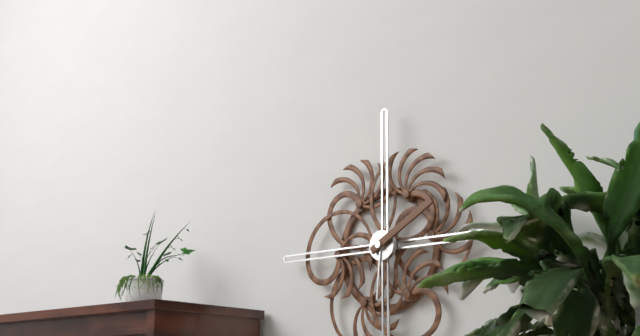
6:10
